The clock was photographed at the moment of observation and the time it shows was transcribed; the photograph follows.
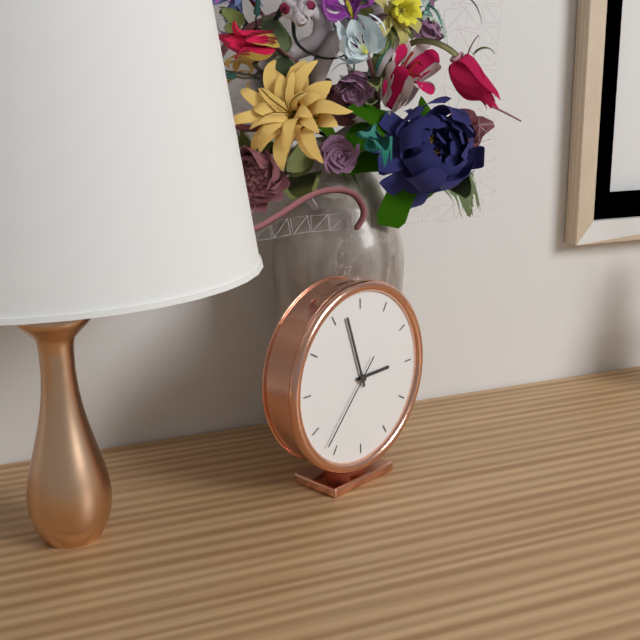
2:57:37
